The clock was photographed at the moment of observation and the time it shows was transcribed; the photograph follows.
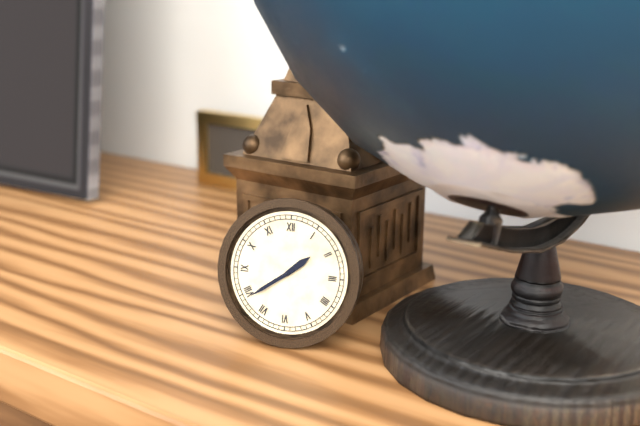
1:39
